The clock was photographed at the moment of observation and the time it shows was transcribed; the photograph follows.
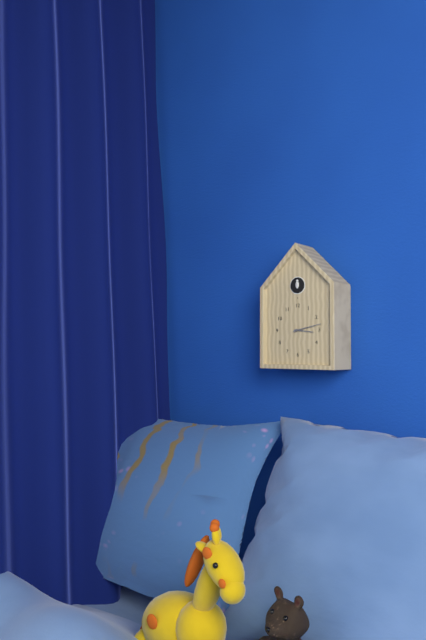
3:13
